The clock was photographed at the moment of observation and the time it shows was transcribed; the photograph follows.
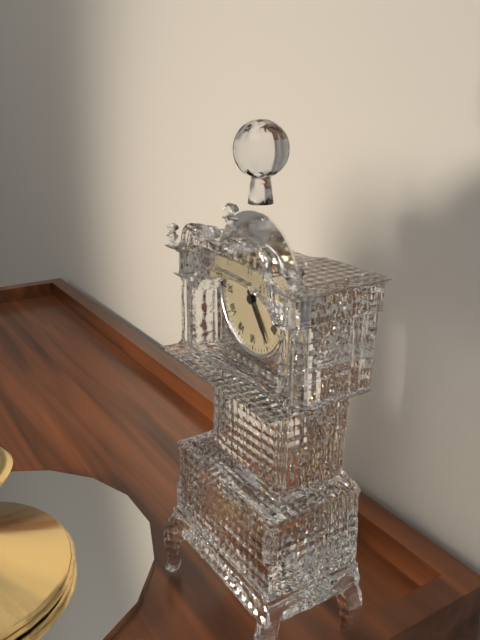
1:24
